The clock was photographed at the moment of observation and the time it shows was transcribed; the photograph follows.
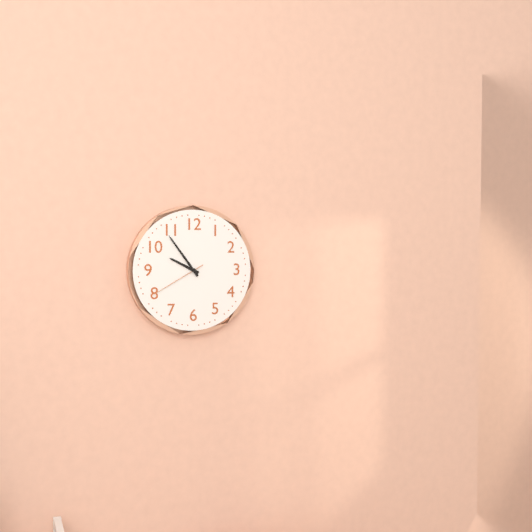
9:54:40
